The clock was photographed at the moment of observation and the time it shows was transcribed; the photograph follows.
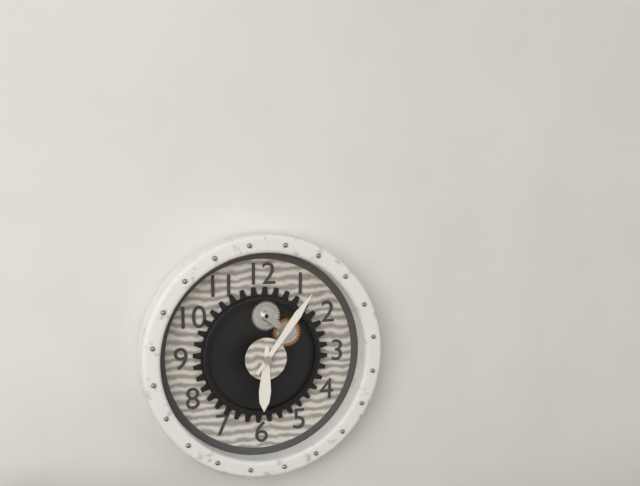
6:06
